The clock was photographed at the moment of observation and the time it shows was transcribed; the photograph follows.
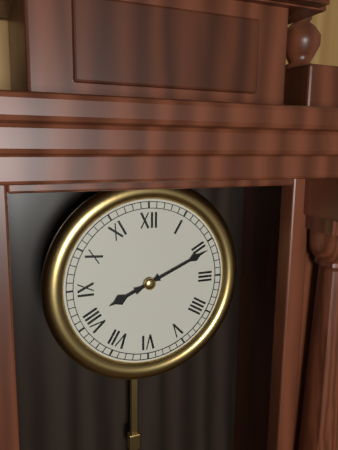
8:11
